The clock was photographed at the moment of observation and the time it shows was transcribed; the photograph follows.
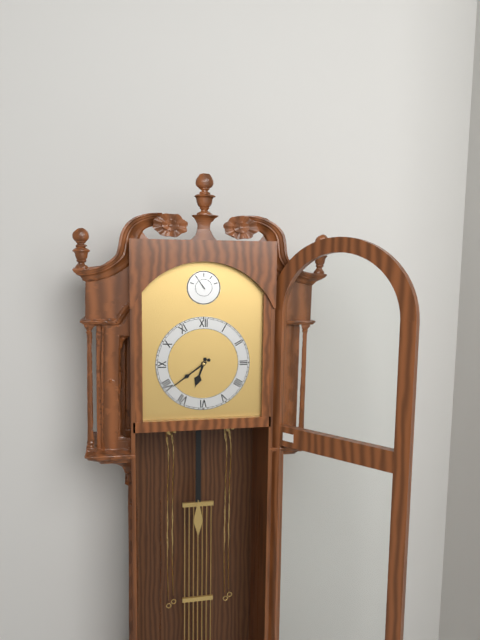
6:39
